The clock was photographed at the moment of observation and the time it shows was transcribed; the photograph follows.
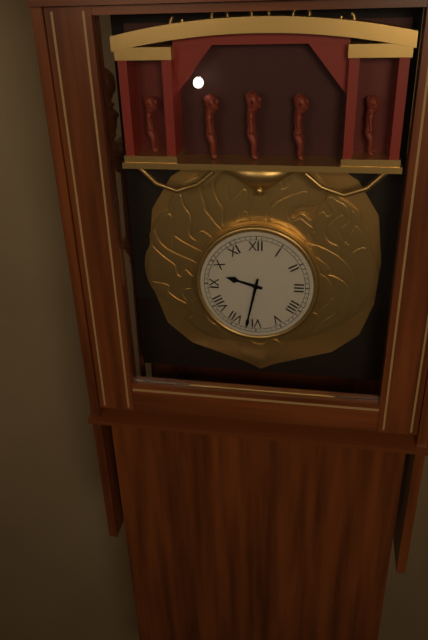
9:32
